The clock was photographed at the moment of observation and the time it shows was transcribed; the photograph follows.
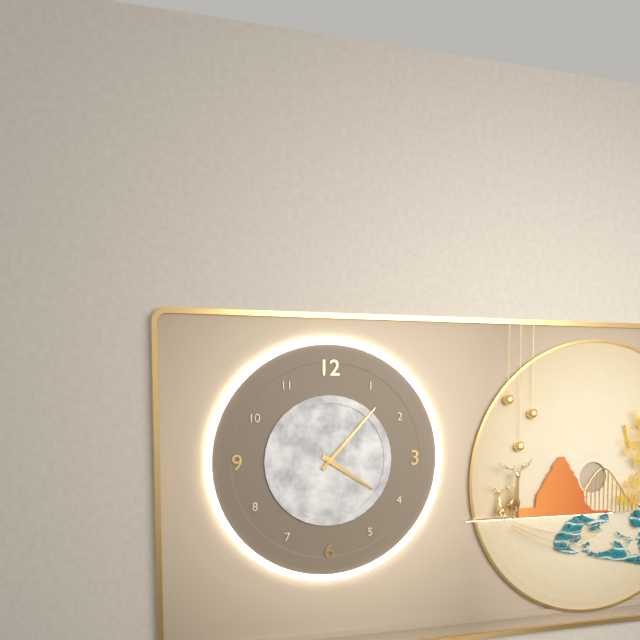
4:07
